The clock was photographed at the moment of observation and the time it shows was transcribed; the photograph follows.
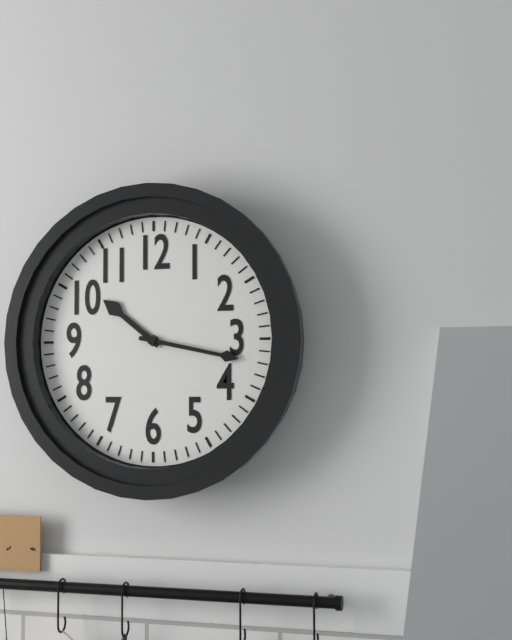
10:17
